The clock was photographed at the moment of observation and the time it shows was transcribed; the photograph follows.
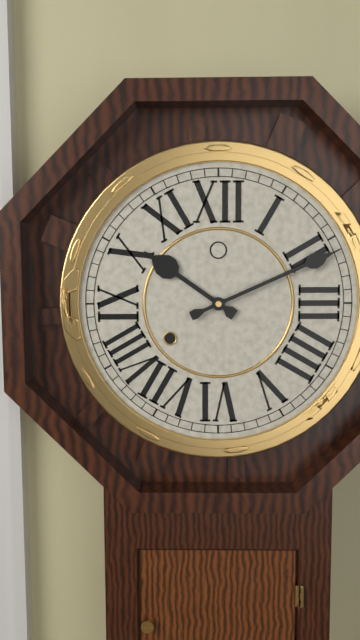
10:11
